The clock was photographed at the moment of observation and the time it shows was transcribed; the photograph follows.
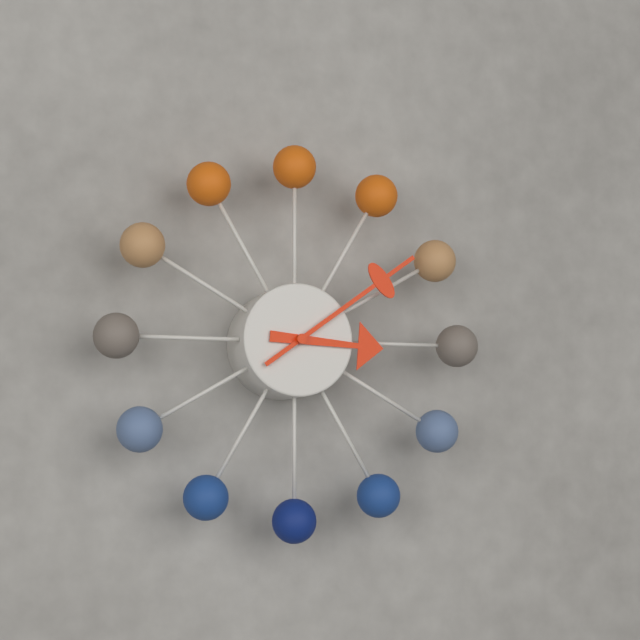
3:09
